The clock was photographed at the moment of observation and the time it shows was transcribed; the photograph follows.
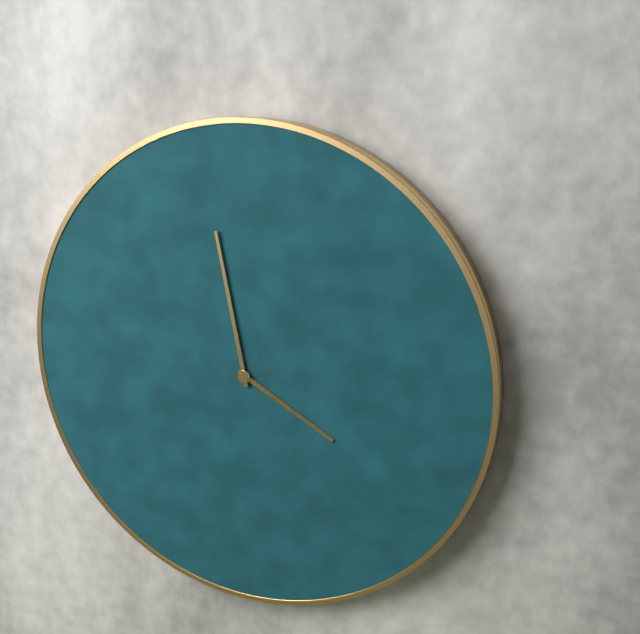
3:58
